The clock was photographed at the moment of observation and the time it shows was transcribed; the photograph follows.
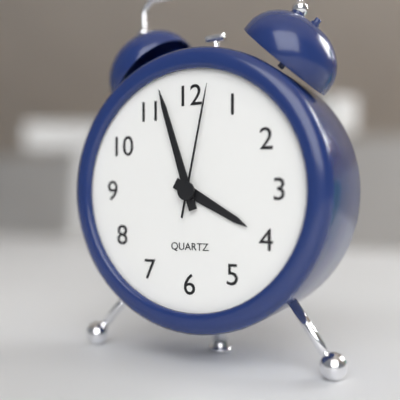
3:57:02
